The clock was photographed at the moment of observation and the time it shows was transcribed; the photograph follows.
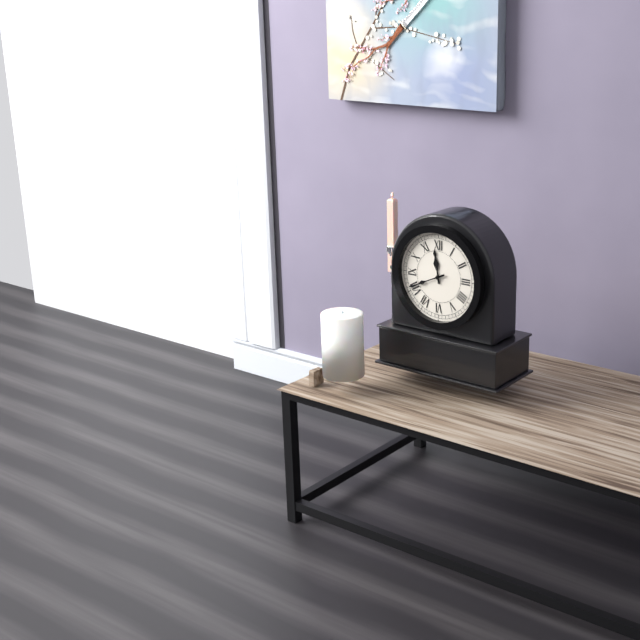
11:41
